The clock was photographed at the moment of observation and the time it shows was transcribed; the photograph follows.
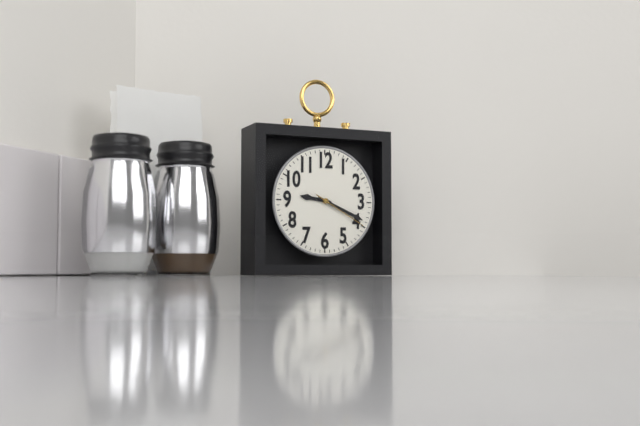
9:19:20
